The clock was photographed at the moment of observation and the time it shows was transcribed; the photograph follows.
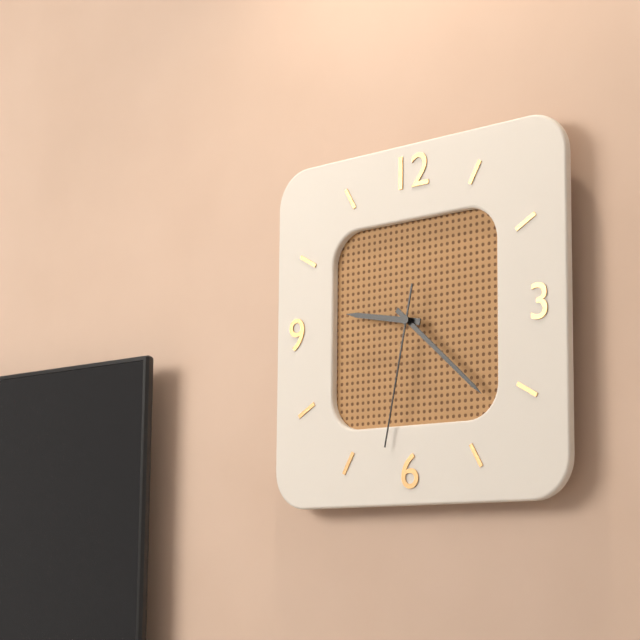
9:22:32
